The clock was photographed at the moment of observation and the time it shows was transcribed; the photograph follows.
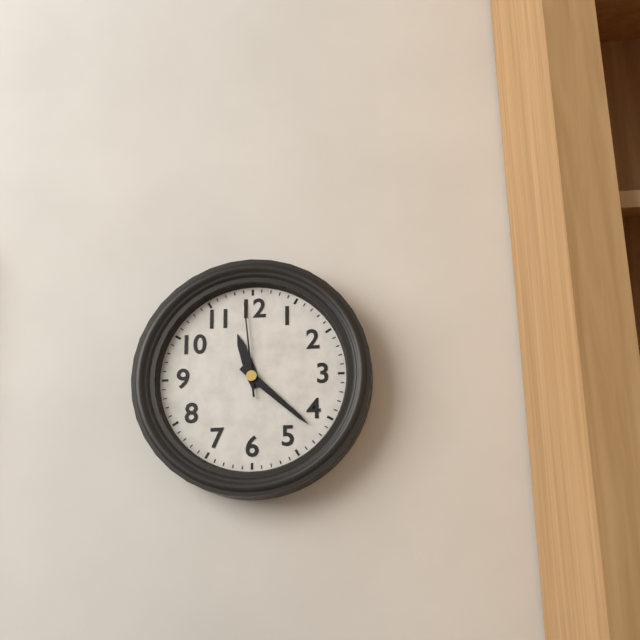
11:22:59
